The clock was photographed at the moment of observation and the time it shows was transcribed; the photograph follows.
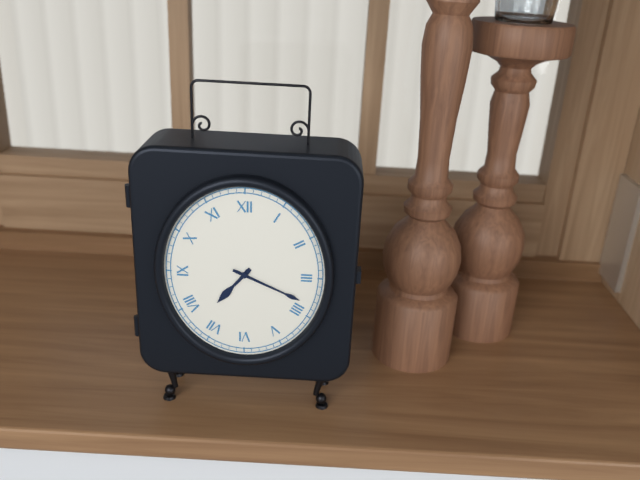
7:19
